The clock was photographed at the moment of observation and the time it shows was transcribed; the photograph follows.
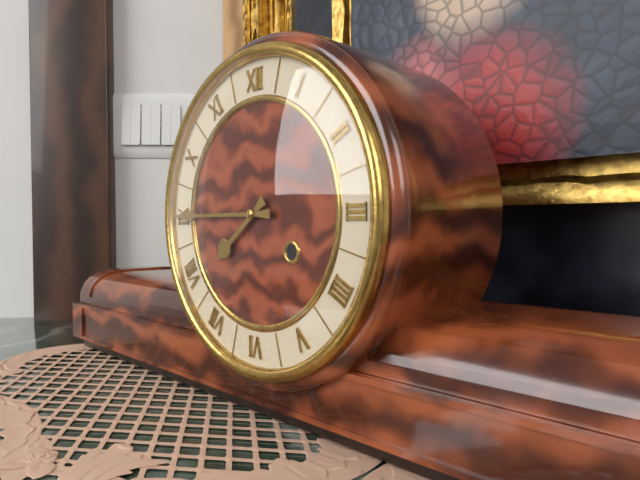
7:45
